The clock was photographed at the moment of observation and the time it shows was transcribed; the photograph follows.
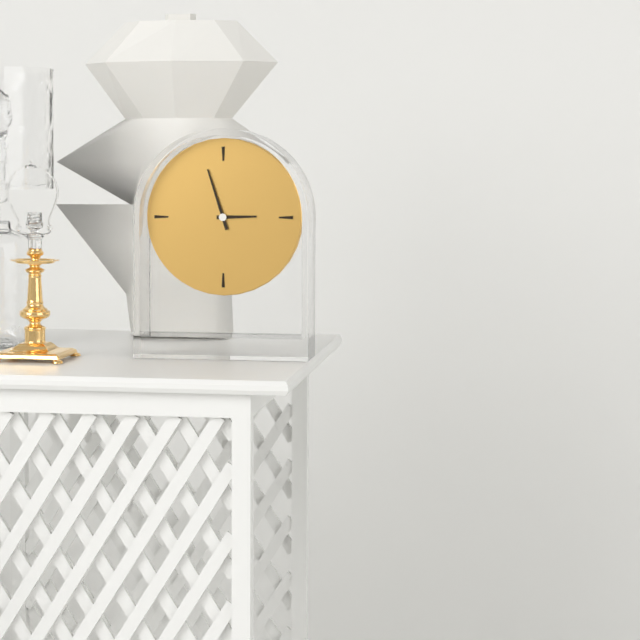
2:57
